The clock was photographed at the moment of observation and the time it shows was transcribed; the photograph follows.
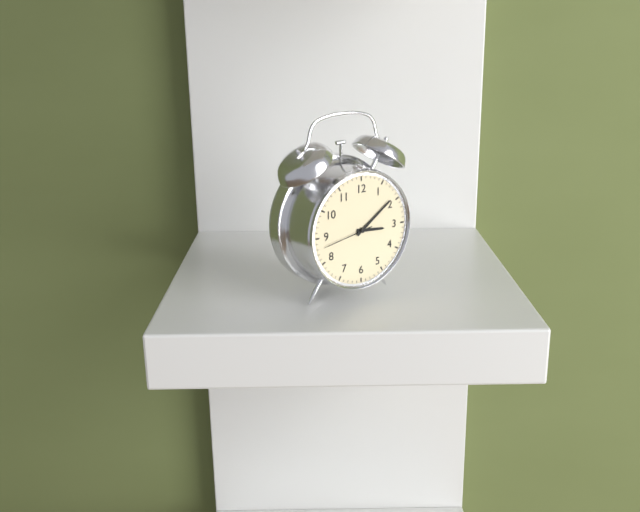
3:09:43
